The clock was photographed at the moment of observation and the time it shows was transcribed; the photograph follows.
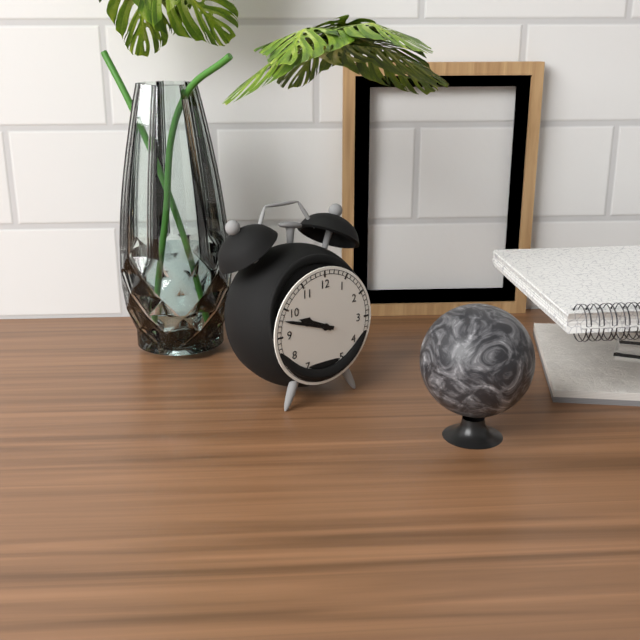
9:48
